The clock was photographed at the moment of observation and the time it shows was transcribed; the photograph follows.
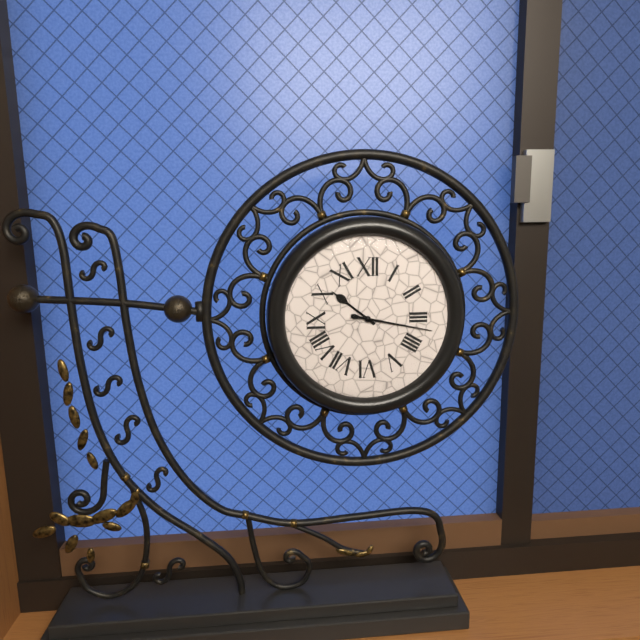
10:17
